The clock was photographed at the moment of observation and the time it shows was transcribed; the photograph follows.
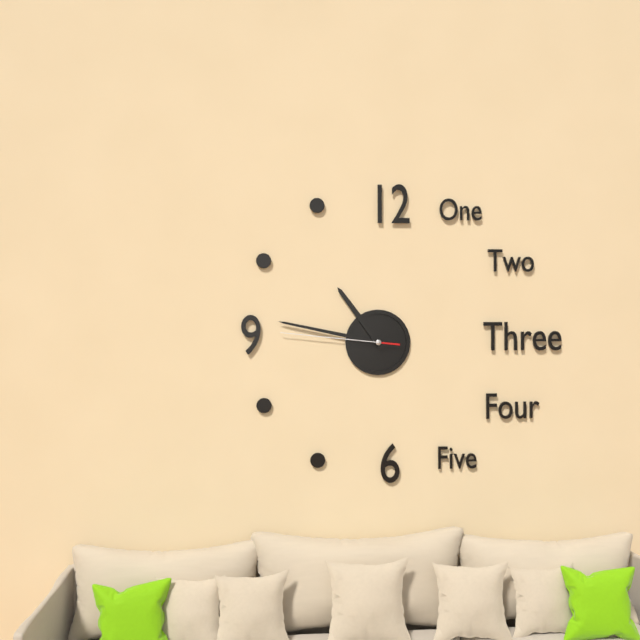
10:47:46
